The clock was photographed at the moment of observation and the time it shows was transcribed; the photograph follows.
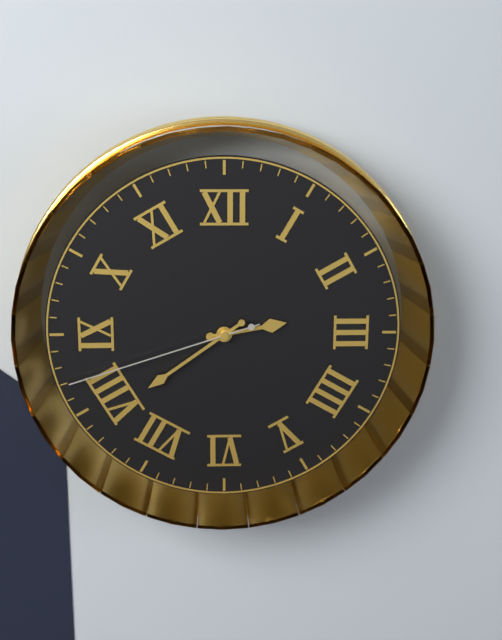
2:39:42
